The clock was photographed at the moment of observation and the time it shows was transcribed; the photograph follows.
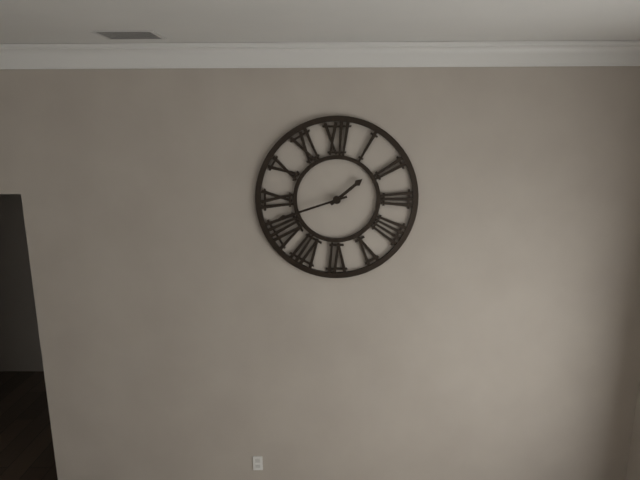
1:42
